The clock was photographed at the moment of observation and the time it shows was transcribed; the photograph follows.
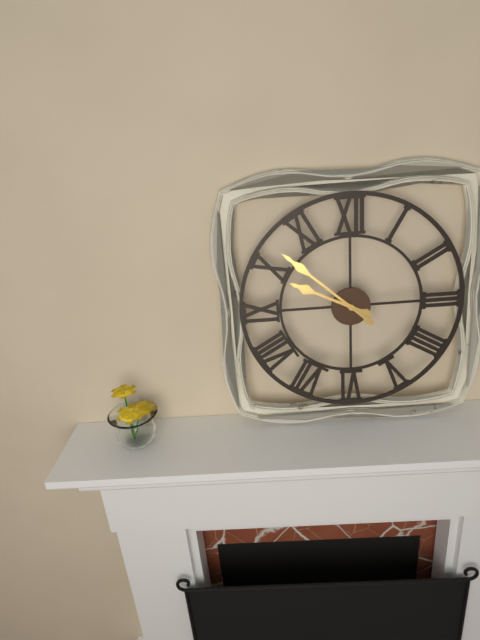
9:52
